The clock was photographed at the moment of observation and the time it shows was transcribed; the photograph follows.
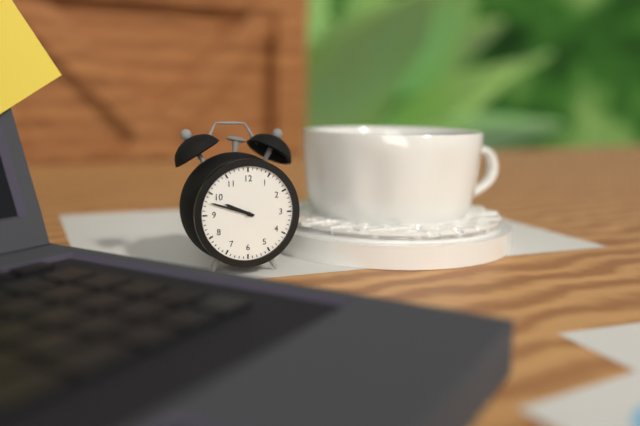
9:48
